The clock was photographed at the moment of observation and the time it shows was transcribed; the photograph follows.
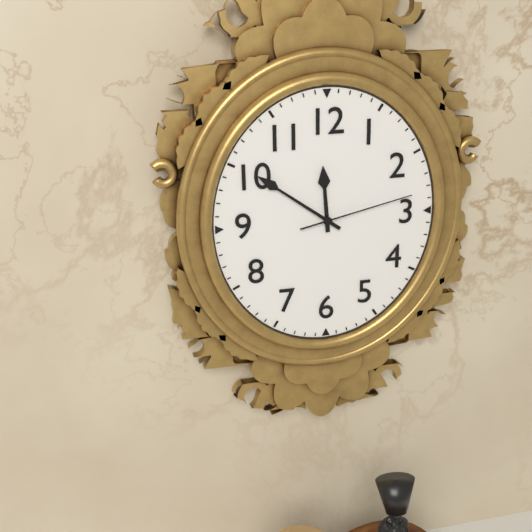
11:51:13
